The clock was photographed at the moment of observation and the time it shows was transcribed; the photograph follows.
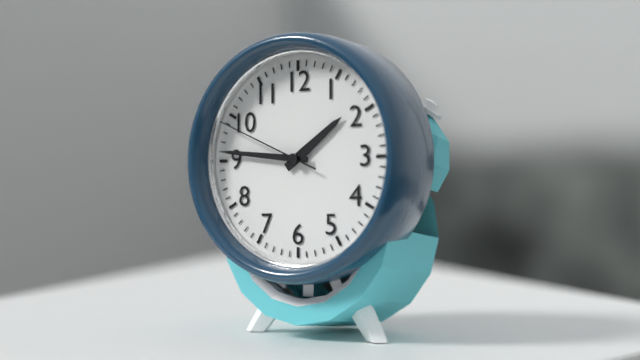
1:46:49
